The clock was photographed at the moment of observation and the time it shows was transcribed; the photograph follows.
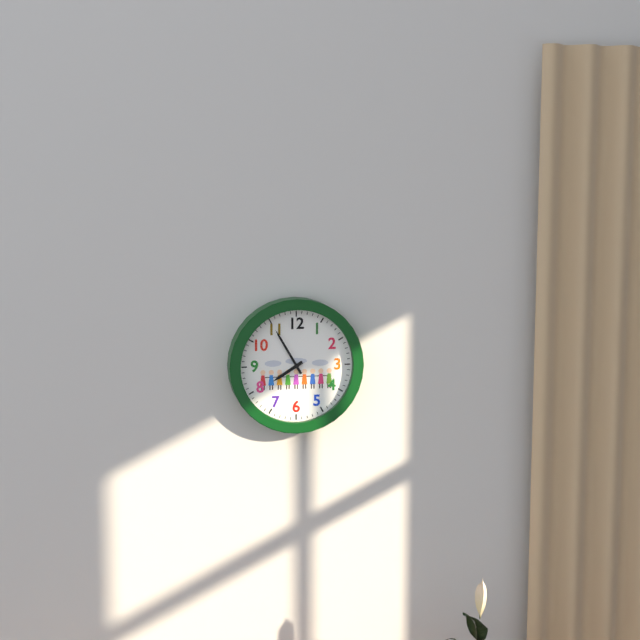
7:55
